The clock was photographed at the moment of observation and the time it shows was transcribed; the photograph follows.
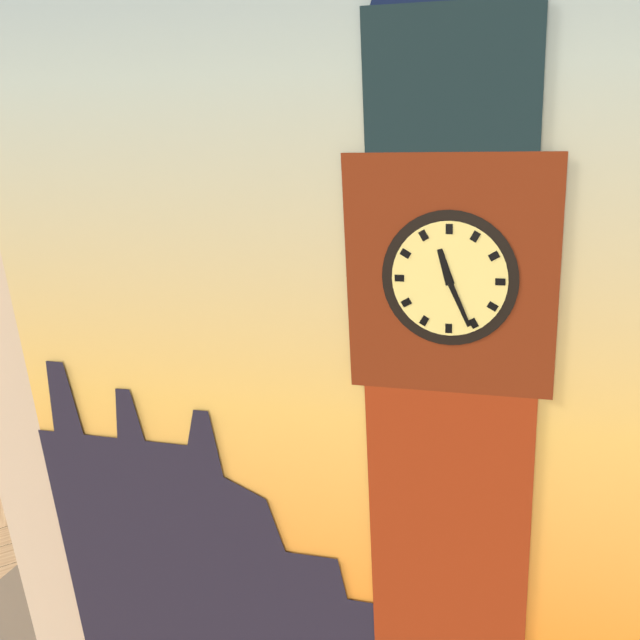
11:26
